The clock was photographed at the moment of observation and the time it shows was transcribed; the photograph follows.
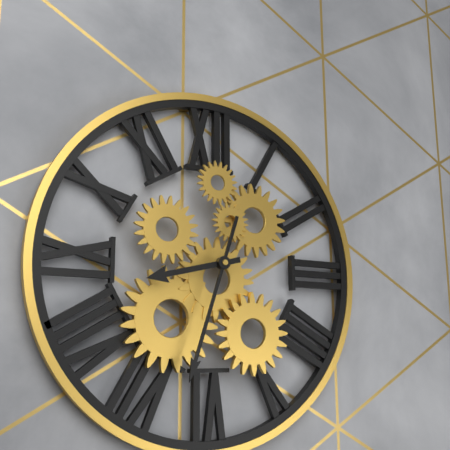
8:33
